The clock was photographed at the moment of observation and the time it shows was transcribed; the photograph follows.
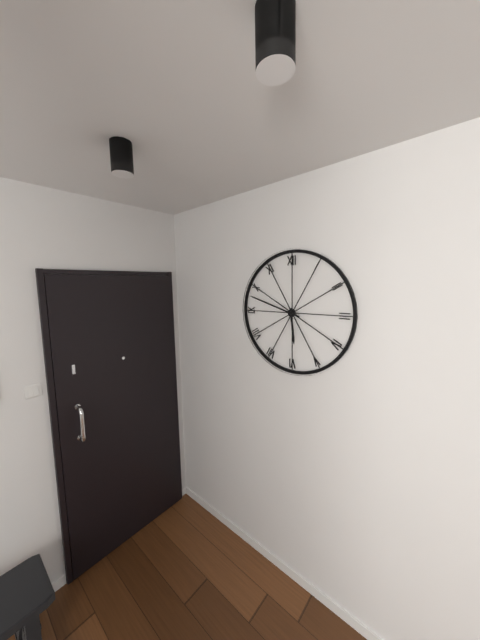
5:48
